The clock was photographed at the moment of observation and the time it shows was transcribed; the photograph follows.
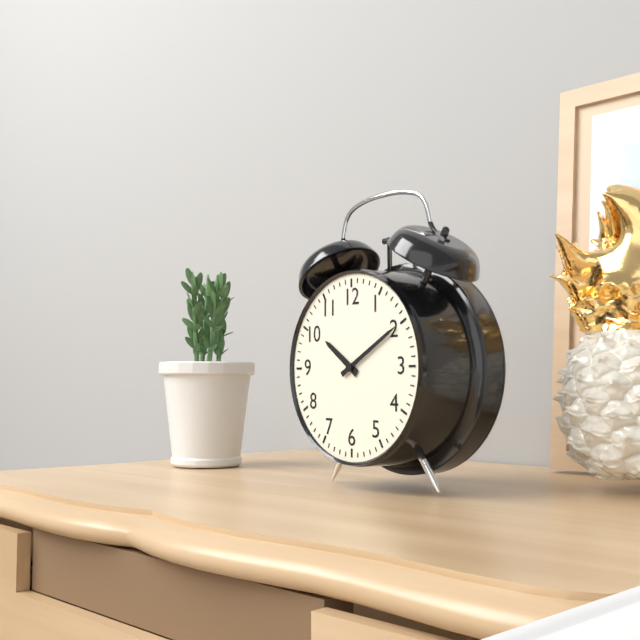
10:10
